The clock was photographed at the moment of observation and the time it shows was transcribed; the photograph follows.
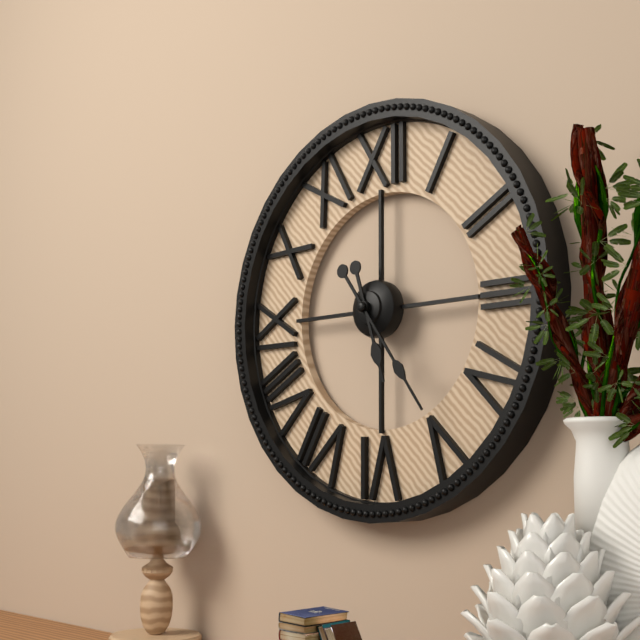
5:24
